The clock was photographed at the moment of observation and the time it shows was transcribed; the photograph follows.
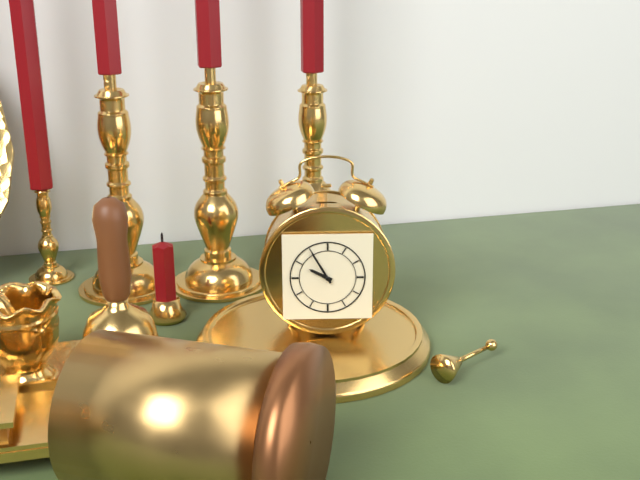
9:55
